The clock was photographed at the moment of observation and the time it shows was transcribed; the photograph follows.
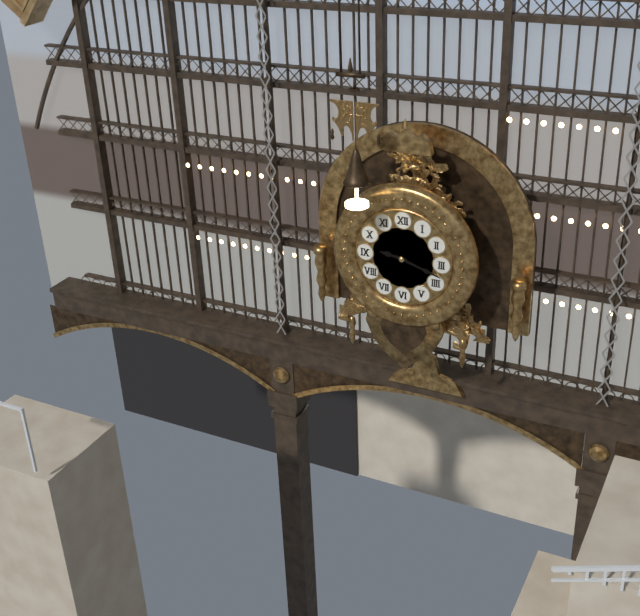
9:18
